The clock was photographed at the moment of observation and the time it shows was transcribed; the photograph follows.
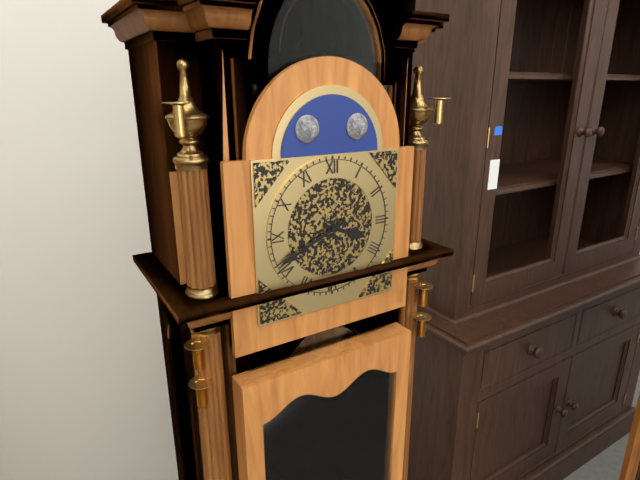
3:41
